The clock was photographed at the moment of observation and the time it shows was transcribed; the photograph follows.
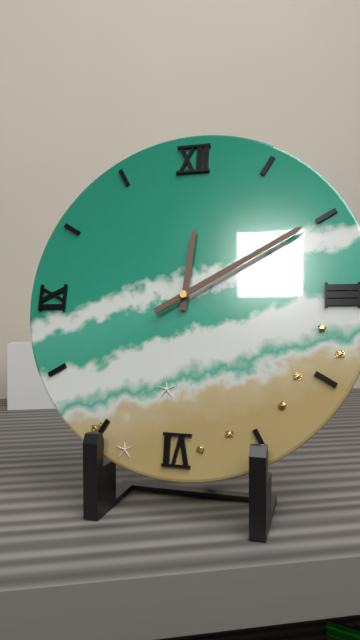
12:10
